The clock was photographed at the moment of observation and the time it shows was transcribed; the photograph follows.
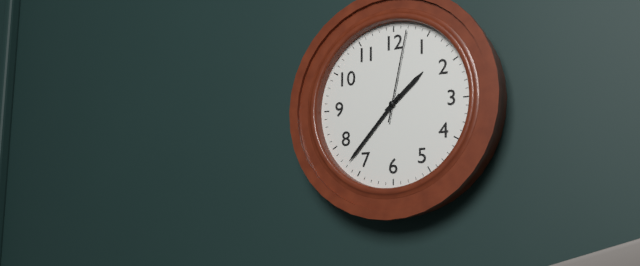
1:37:02
